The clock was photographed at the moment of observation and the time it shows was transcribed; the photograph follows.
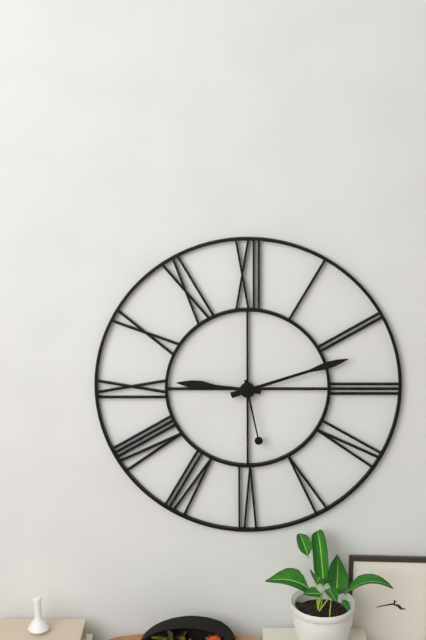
9:12:28
